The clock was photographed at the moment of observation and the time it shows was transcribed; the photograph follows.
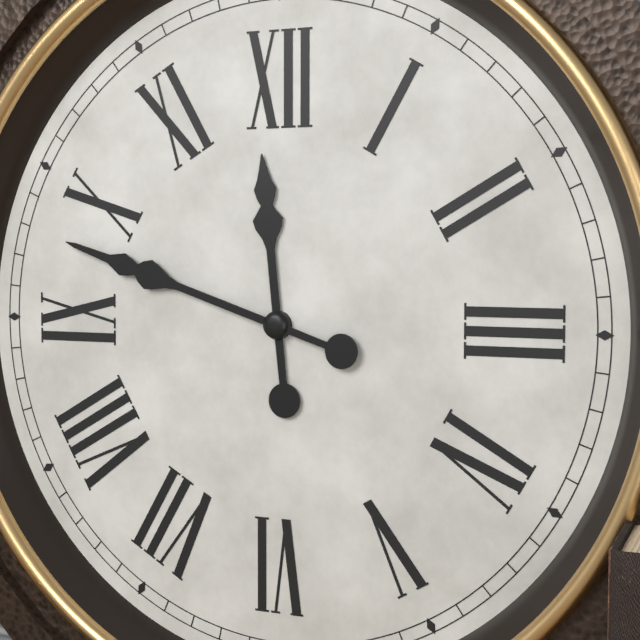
11:48
